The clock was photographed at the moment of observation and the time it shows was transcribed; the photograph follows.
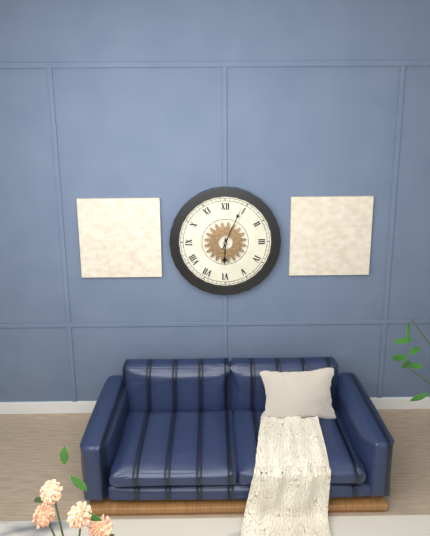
6:04
